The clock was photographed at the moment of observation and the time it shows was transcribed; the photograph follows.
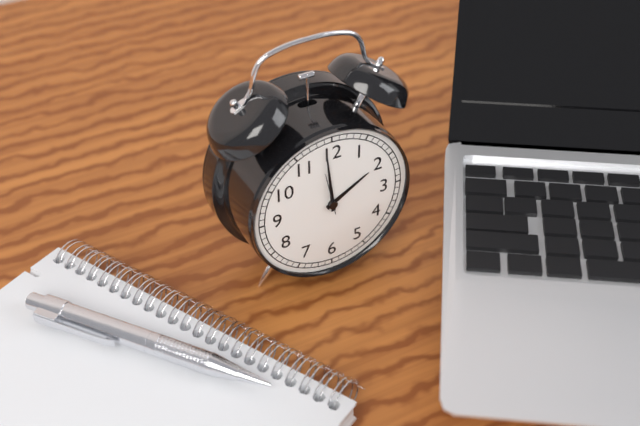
1:59
